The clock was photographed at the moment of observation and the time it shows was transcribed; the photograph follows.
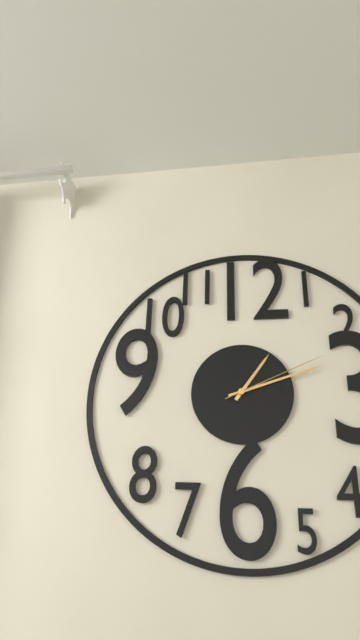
1:12:11
